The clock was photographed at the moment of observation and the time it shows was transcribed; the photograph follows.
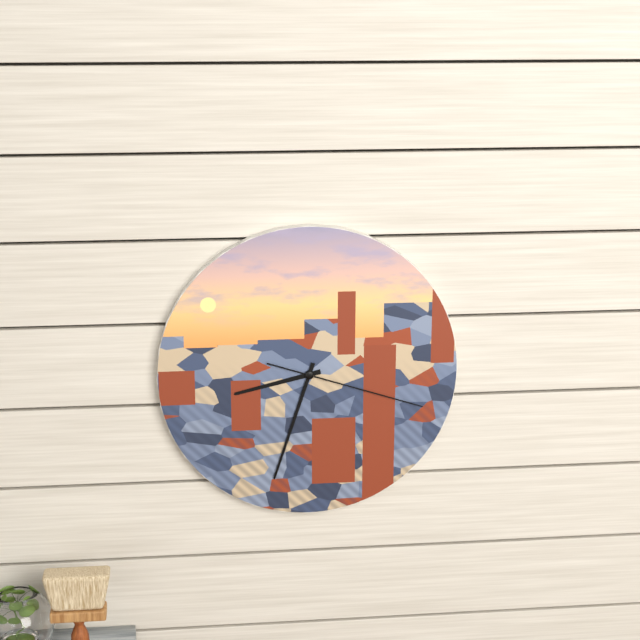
8:33:18
